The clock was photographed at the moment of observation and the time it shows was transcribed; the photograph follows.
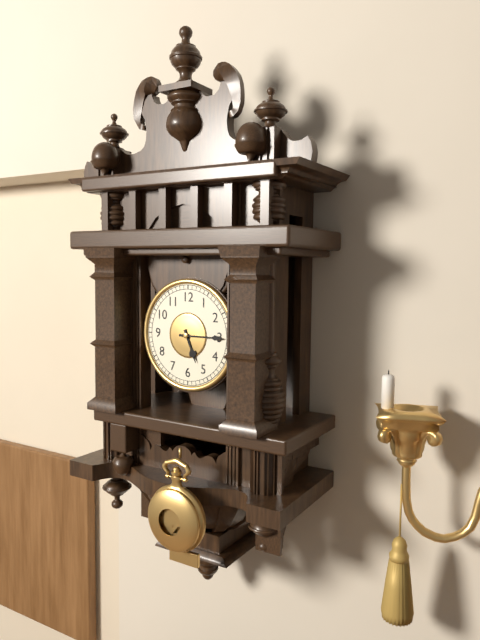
5:15
